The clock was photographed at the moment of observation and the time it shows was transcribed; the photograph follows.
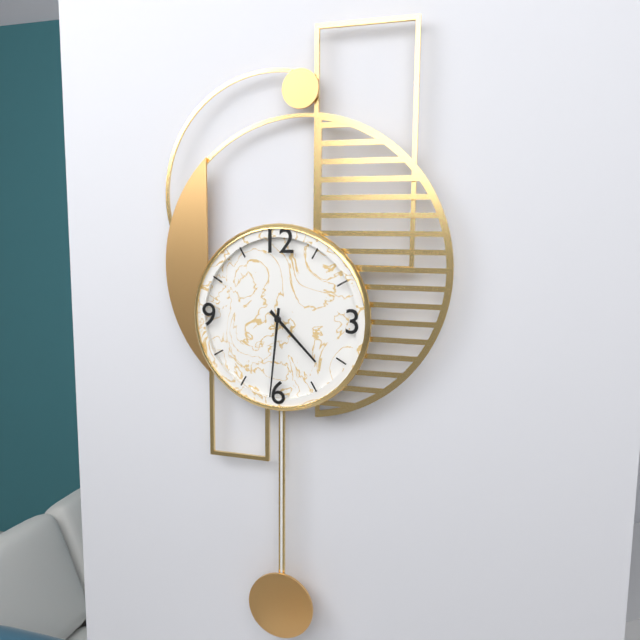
4:31
